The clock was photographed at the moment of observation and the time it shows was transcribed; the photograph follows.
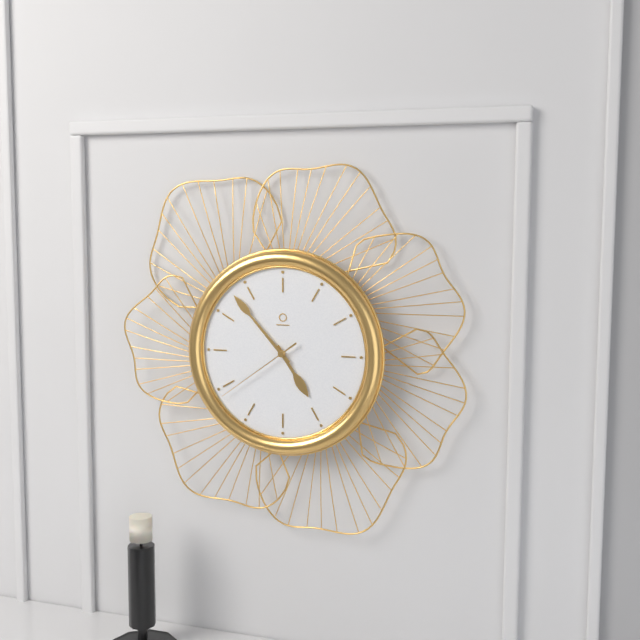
4:53:39
